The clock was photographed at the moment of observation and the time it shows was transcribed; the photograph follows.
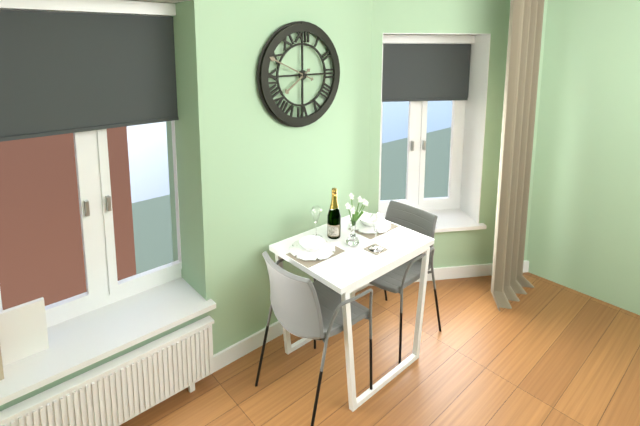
7:49
